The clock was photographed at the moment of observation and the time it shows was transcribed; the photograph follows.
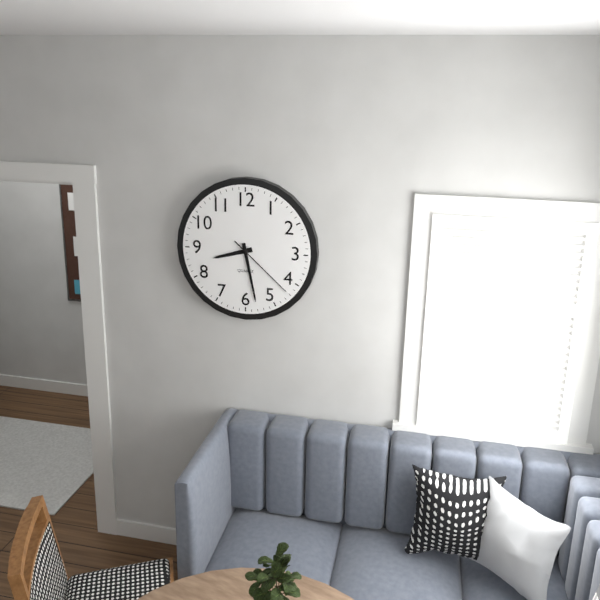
8:28:22
